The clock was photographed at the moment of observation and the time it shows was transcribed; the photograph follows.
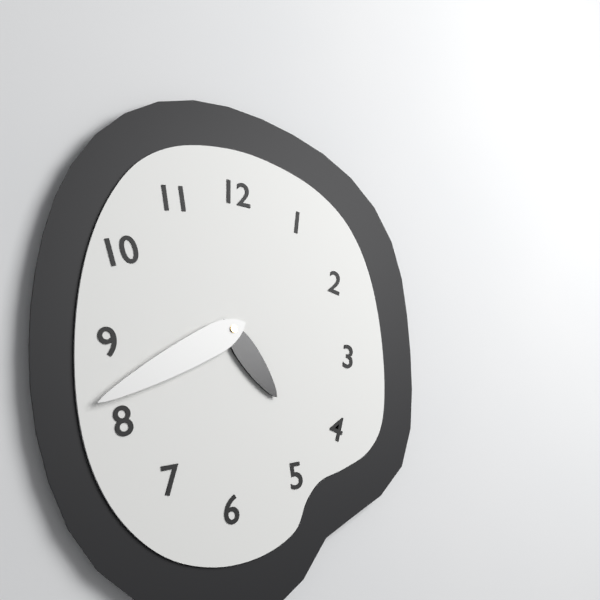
4:40
